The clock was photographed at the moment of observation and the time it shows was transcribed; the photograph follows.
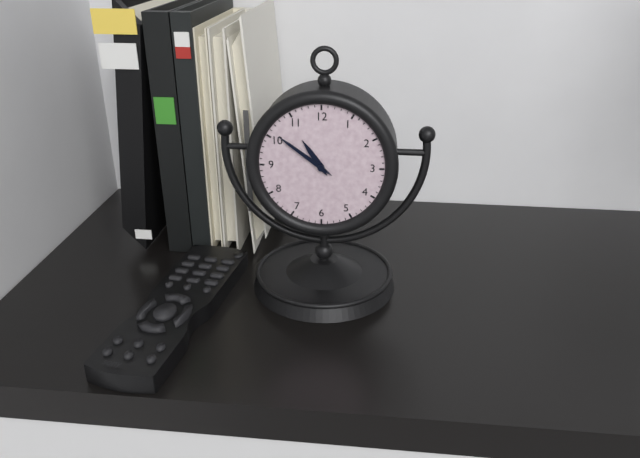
10:51
